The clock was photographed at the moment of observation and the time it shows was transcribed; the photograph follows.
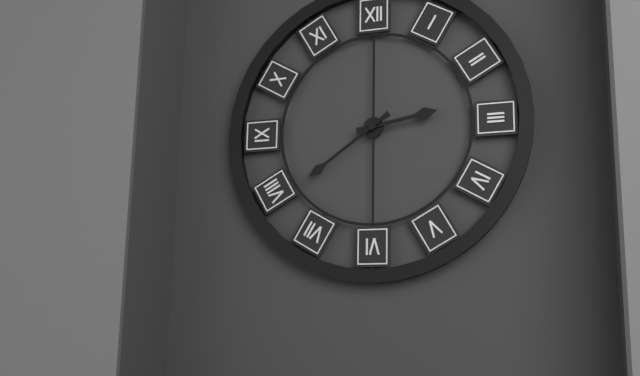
2:39
